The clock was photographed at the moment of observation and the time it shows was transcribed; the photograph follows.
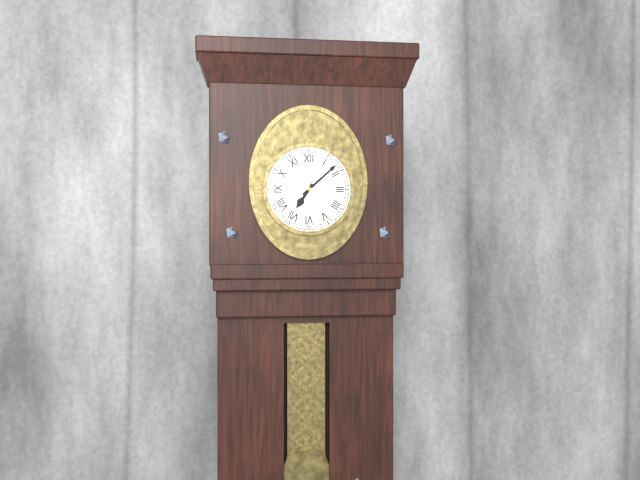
7:08
